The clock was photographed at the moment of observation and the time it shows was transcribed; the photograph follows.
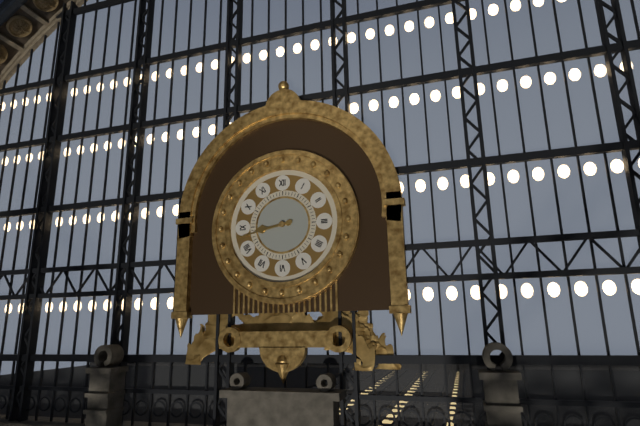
8:43
